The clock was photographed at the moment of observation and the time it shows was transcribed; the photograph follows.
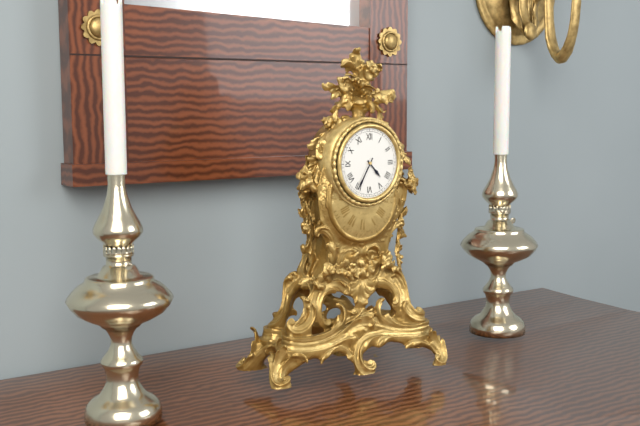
4:35
